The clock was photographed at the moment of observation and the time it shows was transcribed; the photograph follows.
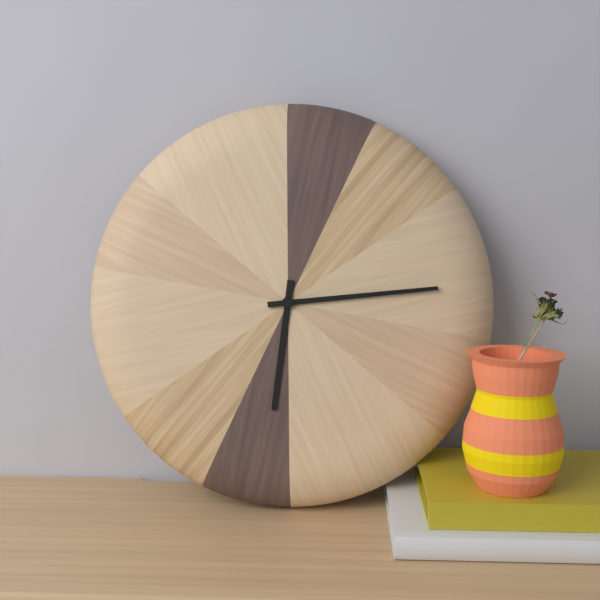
6:14
